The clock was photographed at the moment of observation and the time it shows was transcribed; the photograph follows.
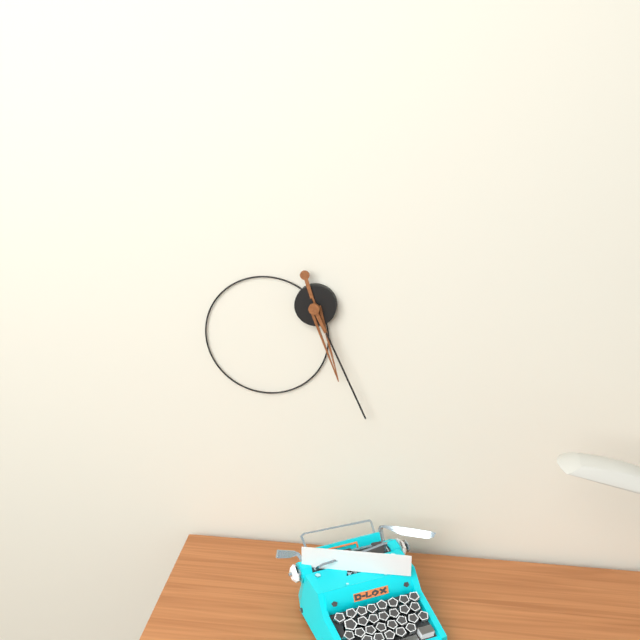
5:26
